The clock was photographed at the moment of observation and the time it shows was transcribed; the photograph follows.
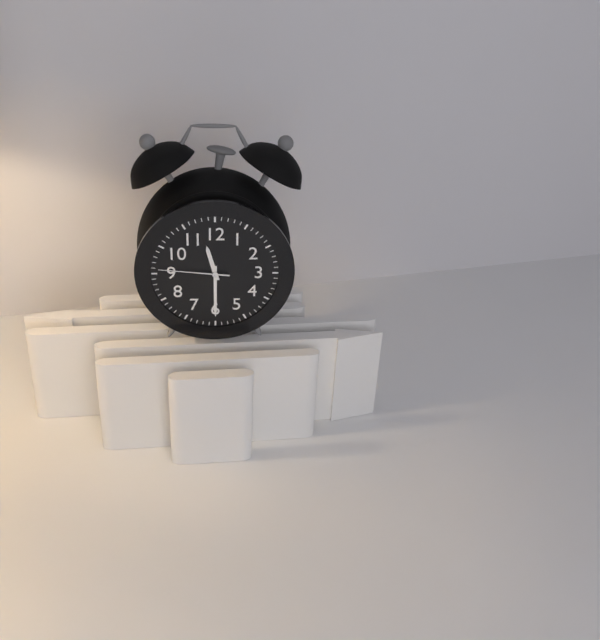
11:30:46
